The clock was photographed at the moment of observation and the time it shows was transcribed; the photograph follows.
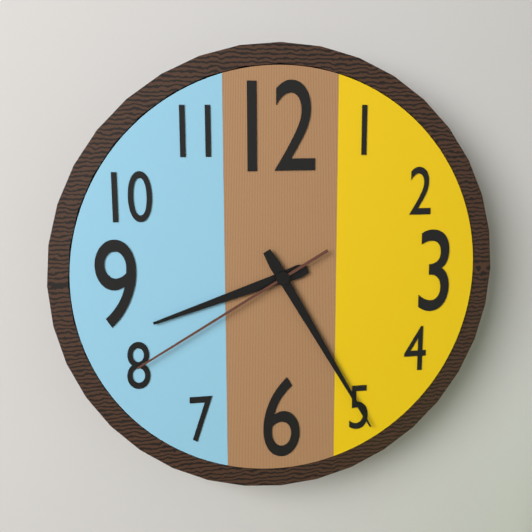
8:25:40
